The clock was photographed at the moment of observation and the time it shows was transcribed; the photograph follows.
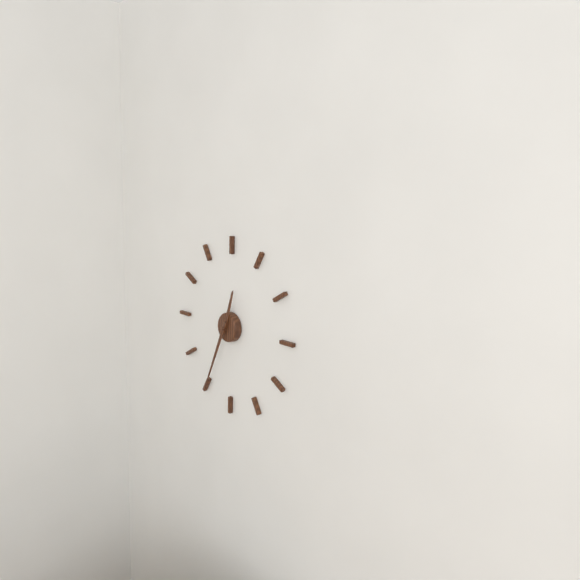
12:34
